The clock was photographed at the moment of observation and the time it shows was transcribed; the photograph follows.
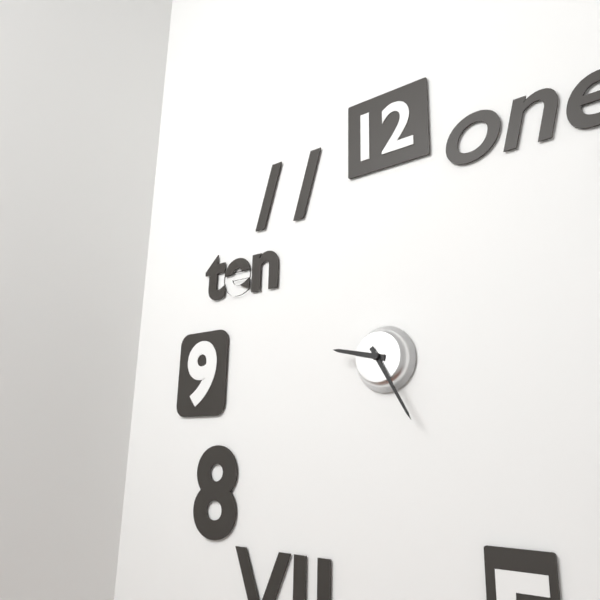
9:25
